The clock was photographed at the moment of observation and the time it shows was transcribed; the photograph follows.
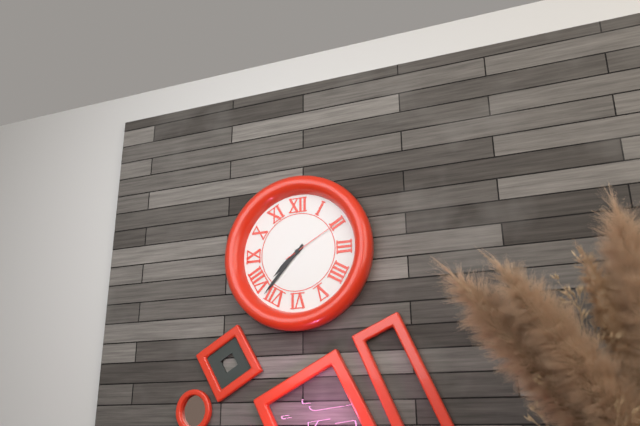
7:37:10
